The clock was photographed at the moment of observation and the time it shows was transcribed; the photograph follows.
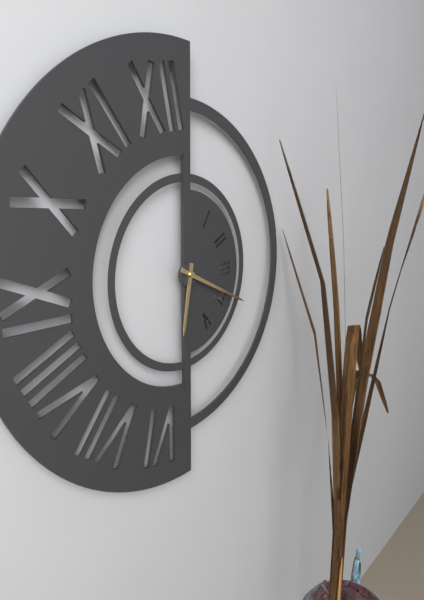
6:19
